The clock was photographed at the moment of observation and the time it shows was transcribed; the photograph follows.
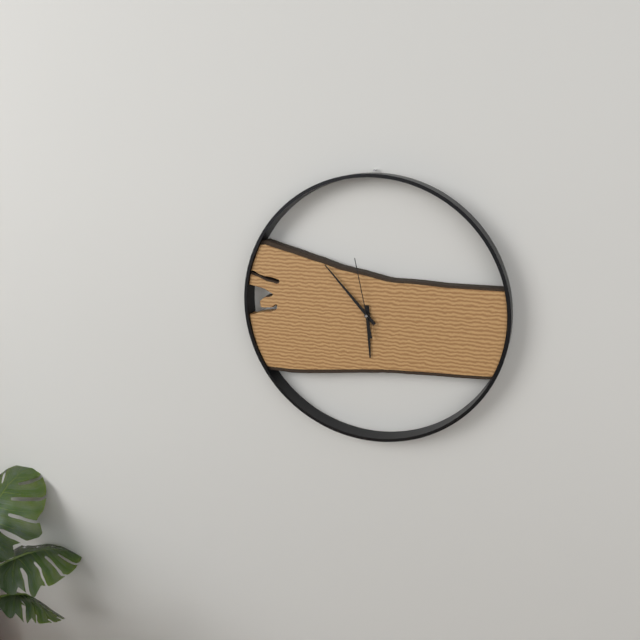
5:53:58
